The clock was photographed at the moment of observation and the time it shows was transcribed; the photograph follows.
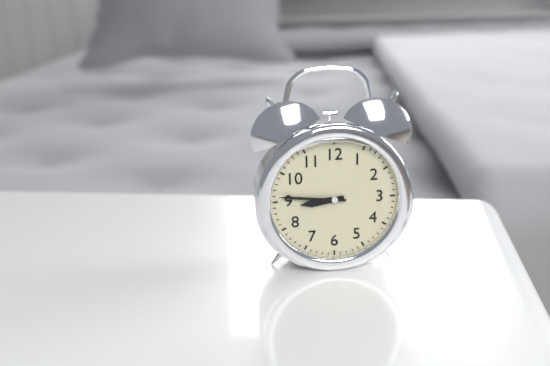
8:46
